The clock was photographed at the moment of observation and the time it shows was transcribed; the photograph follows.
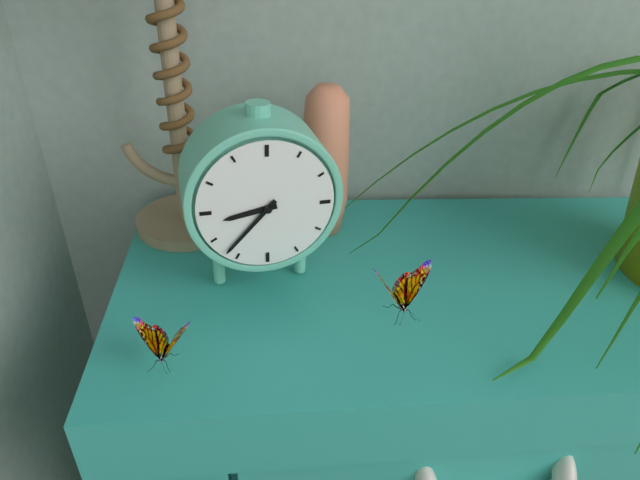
8:37
